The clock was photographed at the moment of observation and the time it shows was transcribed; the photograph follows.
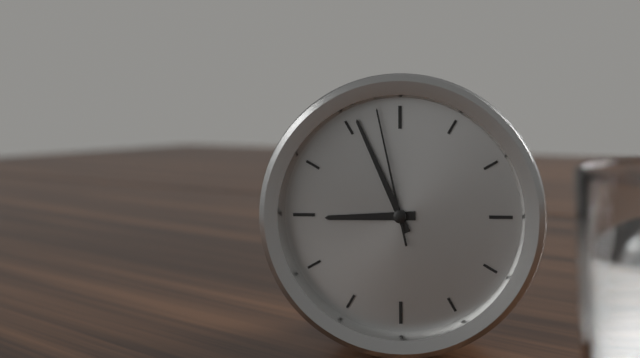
8:56:58
